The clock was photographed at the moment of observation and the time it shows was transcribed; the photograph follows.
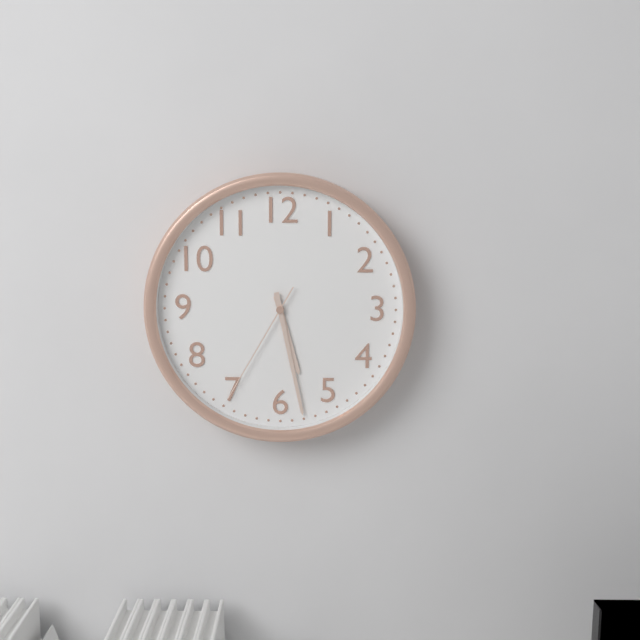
5:28:35
